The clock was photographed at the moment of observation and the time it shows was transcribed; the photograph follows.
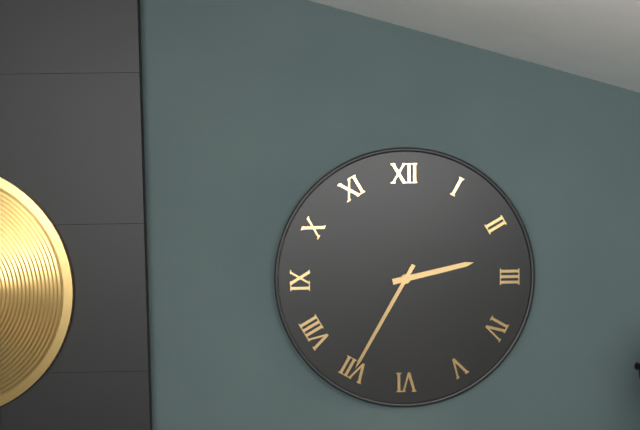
2:35
